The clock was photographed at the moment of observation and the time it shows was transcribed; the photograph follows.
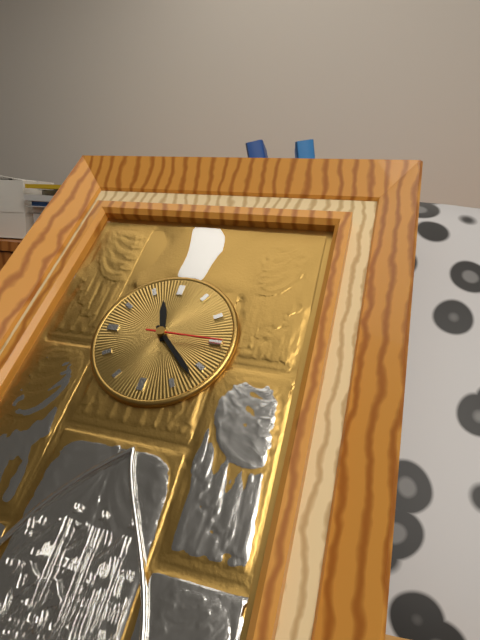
11:22:15
